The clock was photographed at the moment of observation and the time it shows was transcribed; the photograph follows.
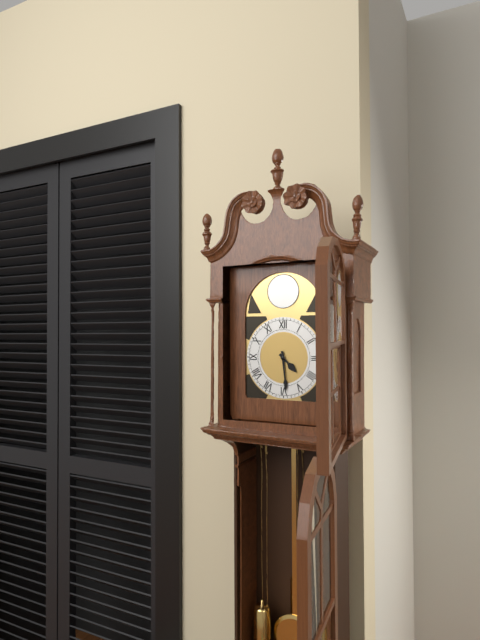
4:29
